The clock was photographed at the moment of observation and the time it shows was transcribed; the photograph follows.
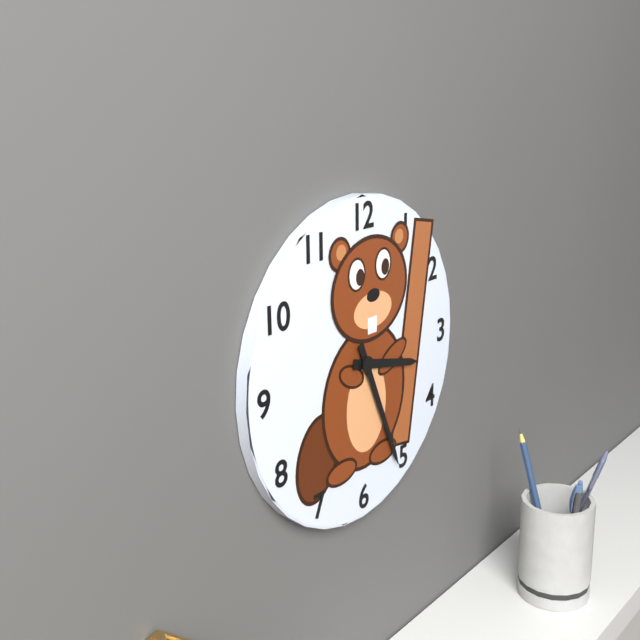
3:26
